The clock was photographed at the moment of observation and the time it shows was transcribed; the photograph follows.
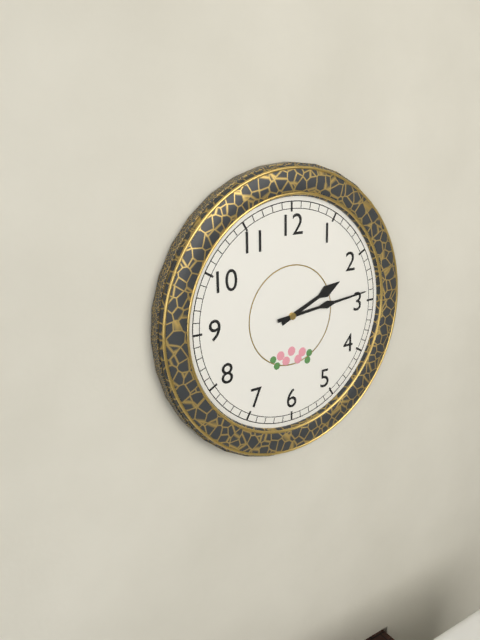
2:14
